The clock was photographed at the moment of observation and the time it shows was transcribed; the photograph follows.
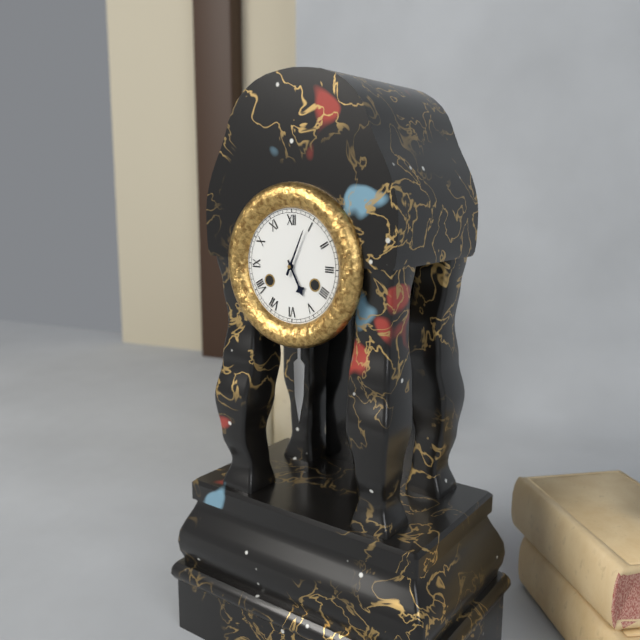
5:04
